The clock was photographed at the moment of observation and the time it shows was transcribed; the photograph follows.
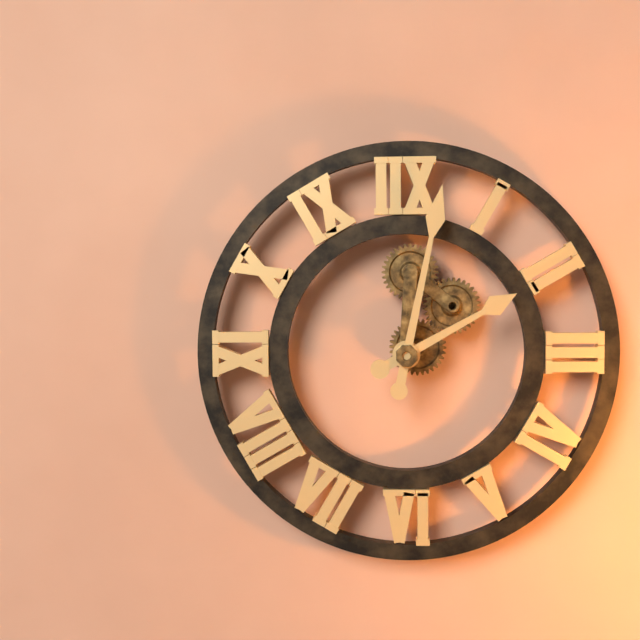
2:02
